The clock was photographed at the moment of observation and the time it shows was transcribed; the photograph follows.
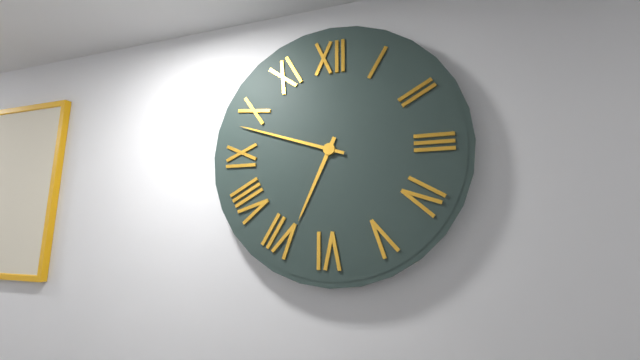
6:48
